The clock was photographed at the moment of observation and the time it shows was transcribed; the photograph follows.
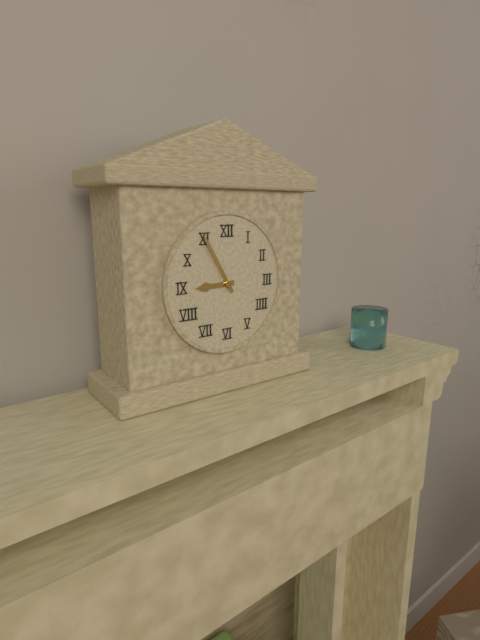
8:55
